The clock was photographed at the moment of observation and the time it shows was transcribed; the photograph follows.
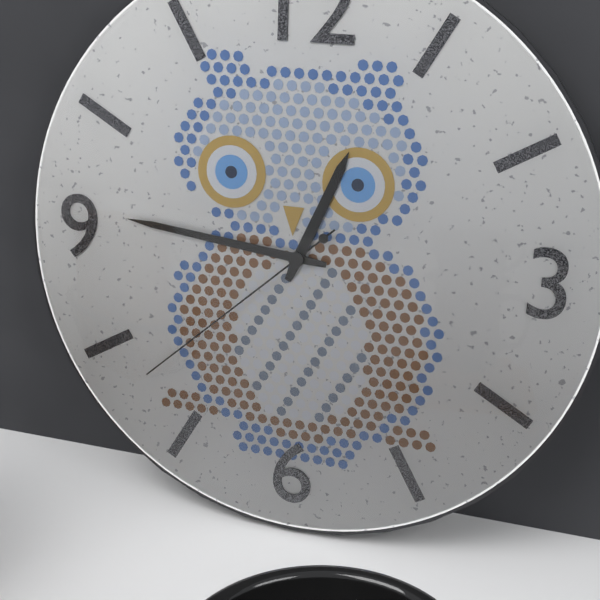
12:46:38
